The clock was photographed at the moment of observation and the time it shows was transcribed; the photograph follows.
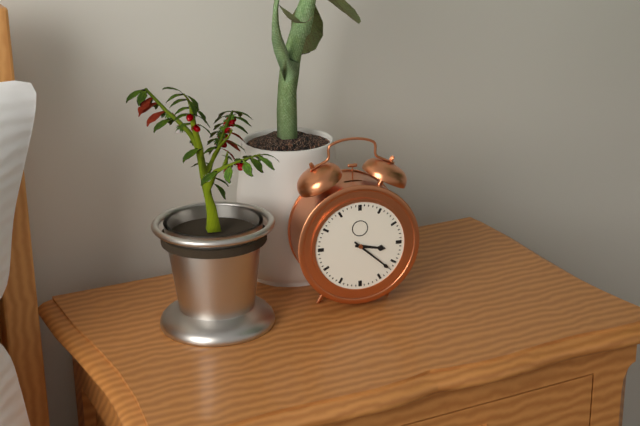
3:22
